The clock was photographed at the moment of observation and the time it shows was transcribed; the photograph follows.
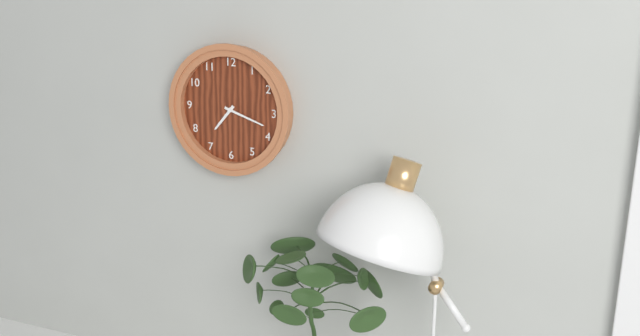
7:18
